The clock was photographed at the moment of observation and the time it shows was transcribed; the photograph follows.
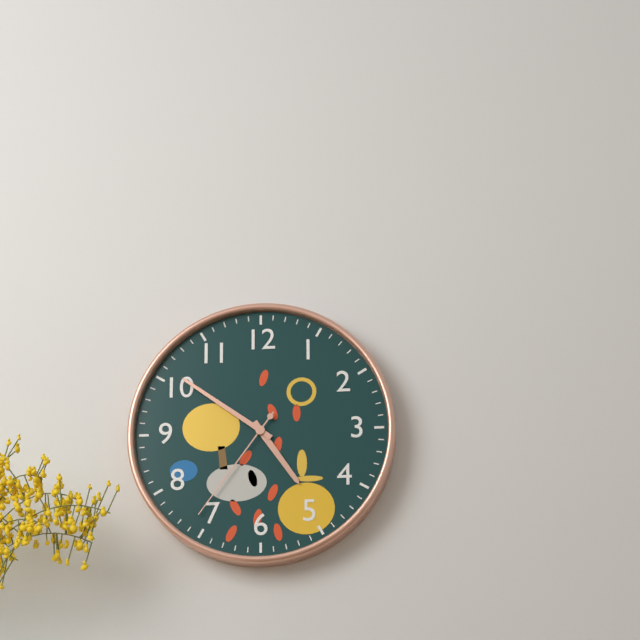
4:51:36
